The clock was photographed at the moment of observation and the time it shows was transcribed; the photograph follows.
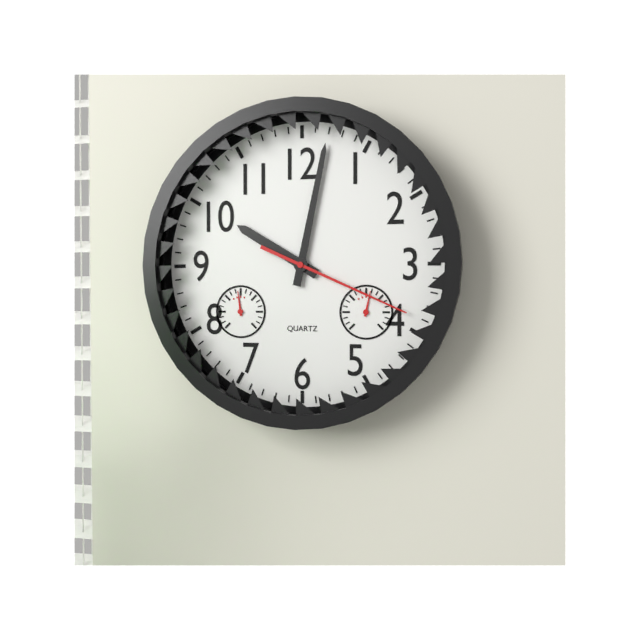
10:02:19
